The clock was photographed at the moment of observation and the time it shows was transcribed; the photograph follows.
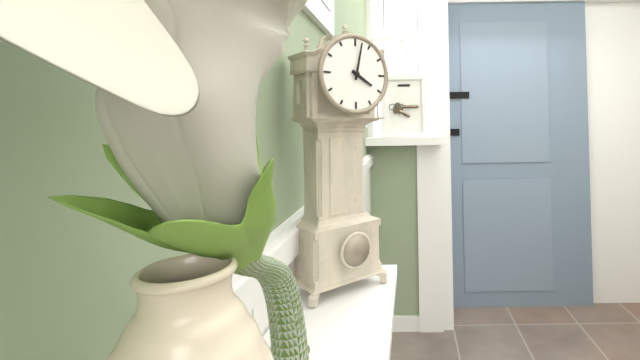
4:02
